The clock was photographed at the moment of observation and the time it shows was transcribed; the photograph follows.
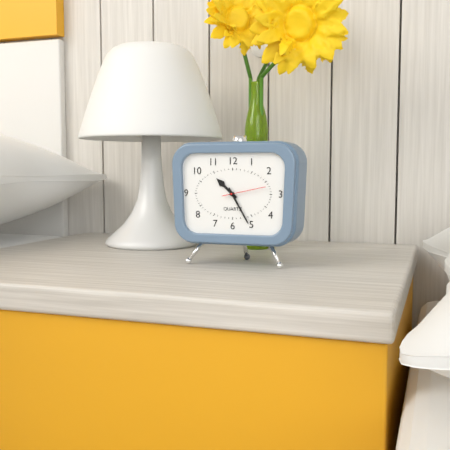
10:25
